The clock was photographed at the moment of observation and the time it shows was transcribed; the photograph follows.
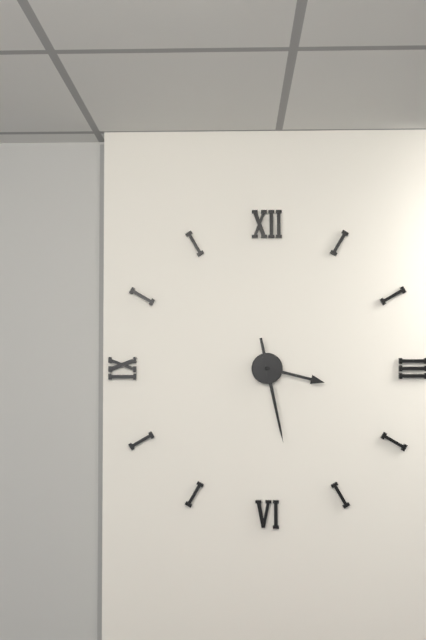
3:28
